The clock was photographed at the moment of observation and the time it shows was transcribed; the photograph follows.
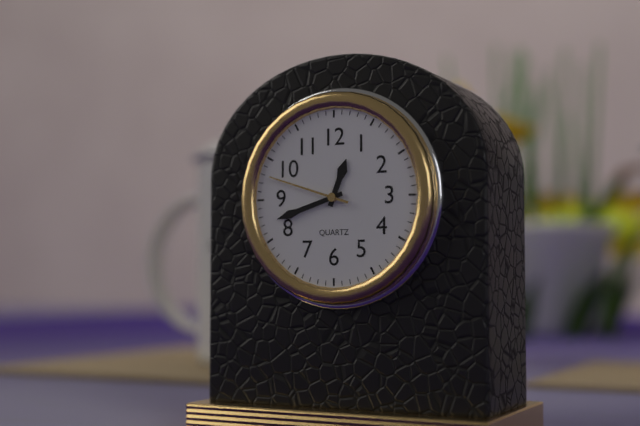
12:42:48
